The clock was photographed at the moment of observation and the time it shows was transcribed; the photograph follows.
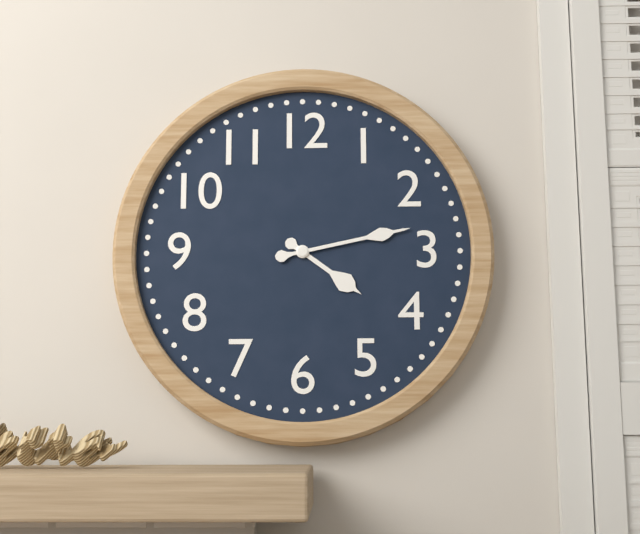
4:13
